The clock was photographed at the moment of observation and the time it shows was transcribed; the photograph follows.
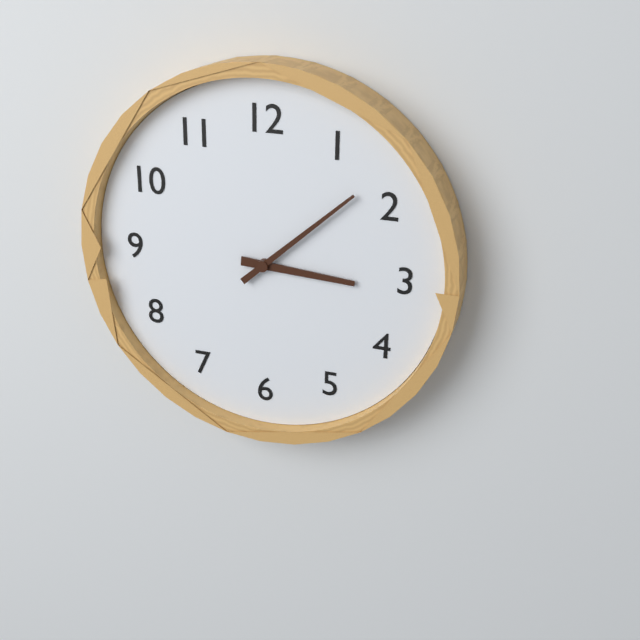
3:08
